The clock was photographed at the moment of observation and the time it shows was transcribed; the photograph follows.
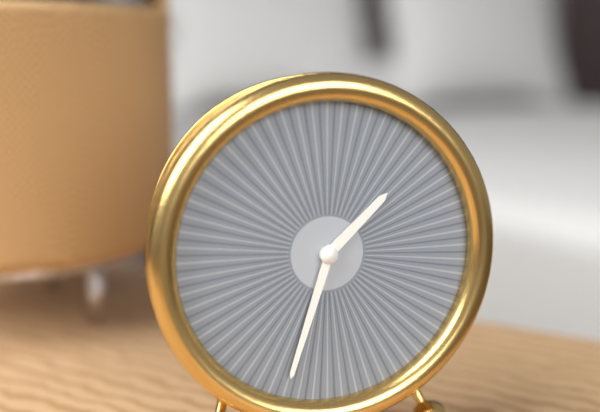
1:33
